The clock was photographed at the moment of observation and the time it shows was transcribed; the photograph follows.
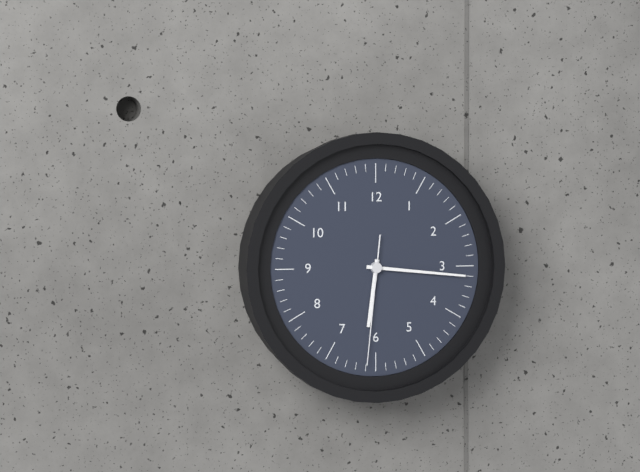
6:16:31
